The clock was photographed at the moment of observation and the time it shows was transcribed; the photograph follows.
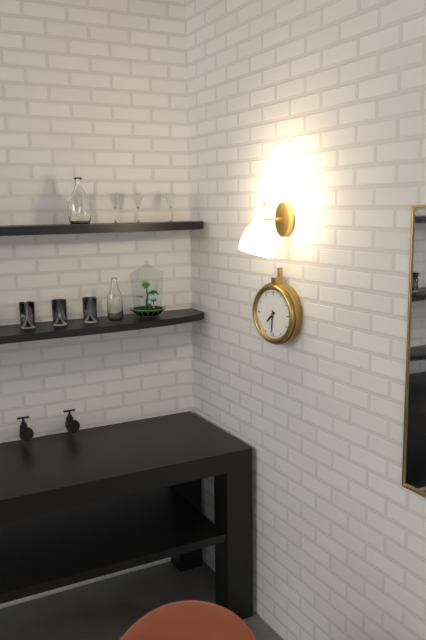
7:31
